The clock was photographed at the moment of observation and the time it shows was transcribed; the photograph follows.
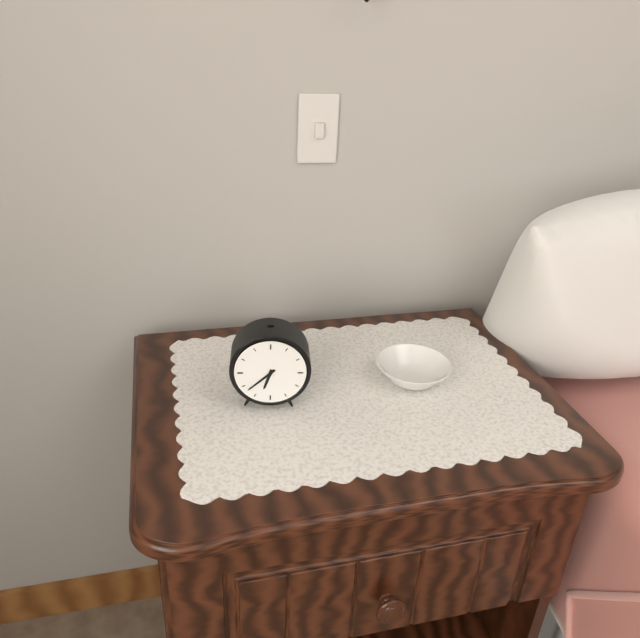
6:38
